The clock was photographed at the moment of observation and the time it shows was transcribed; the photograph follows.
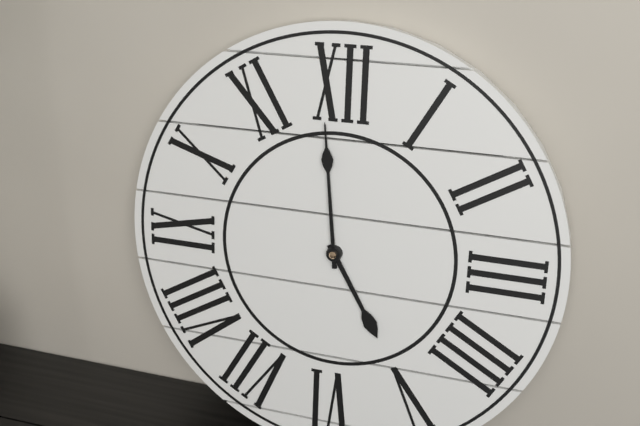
4:59
